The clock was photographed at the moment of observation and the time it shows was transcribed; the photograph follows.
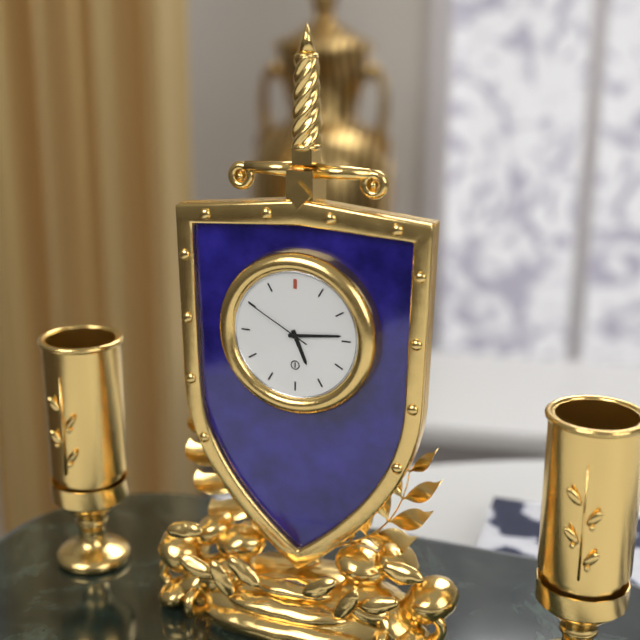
5:14:50
